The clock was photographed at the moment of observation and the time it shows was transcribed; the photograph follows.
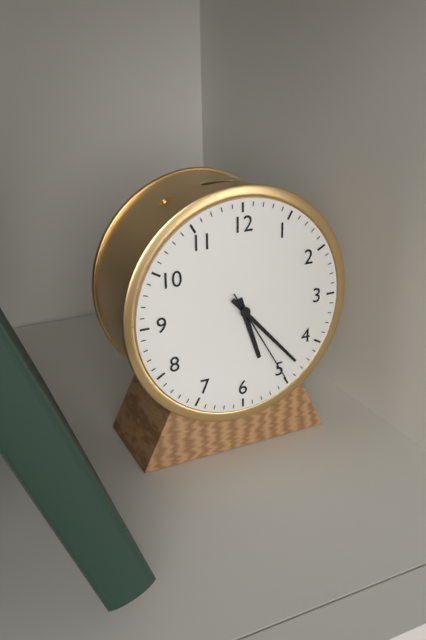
5:23:25
